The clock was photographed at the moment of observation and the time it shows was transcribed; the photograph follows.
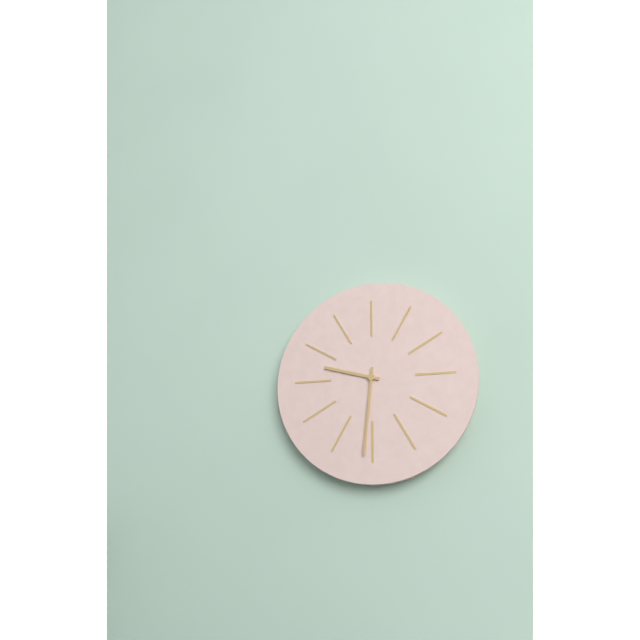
9:31
